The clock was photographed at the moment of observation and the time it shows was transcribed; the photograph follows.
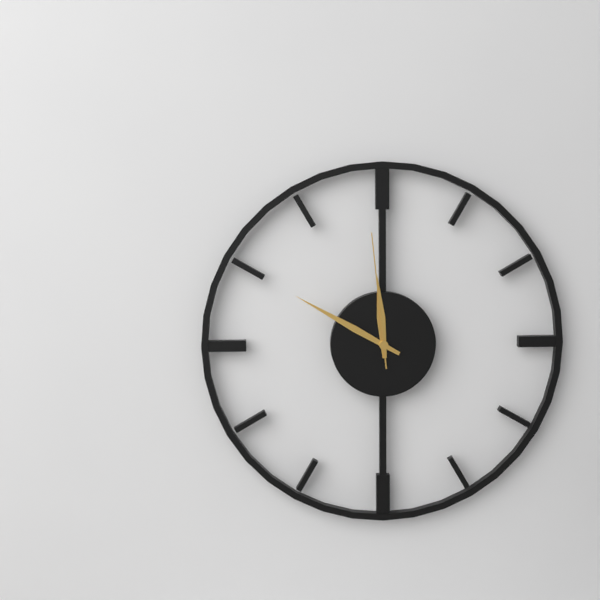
11:50:59
